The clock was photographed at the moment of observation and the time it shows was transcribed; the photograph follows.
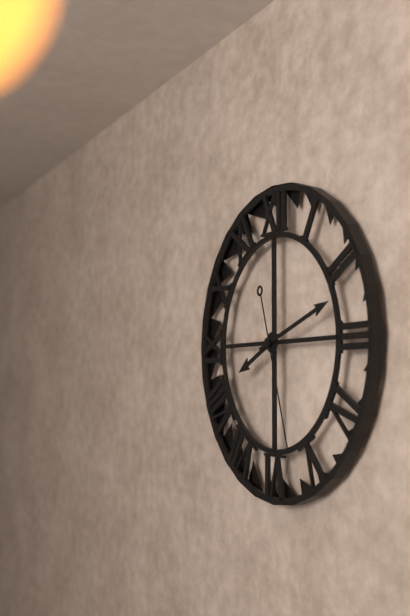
8:12:27
